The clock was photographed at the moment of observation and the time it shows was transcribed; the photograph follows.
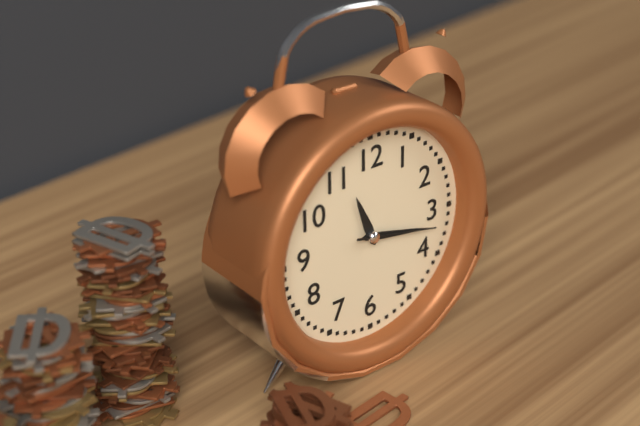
11:17:17
